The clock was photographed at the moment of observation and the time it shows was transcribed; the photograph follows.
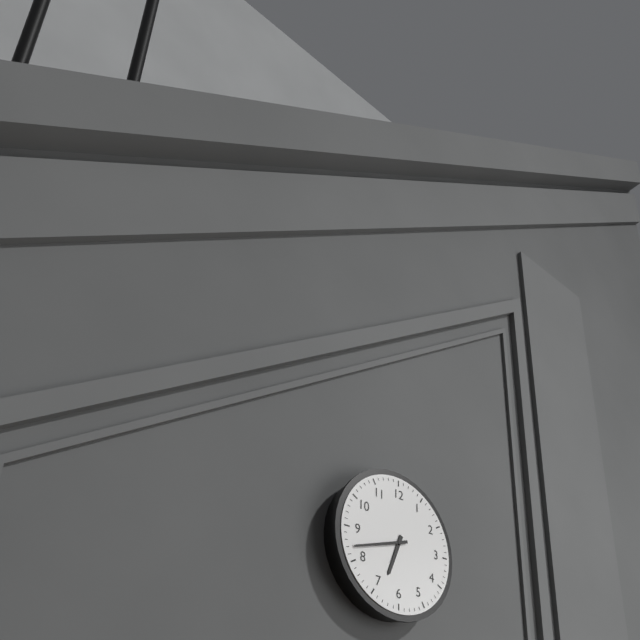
6:42
